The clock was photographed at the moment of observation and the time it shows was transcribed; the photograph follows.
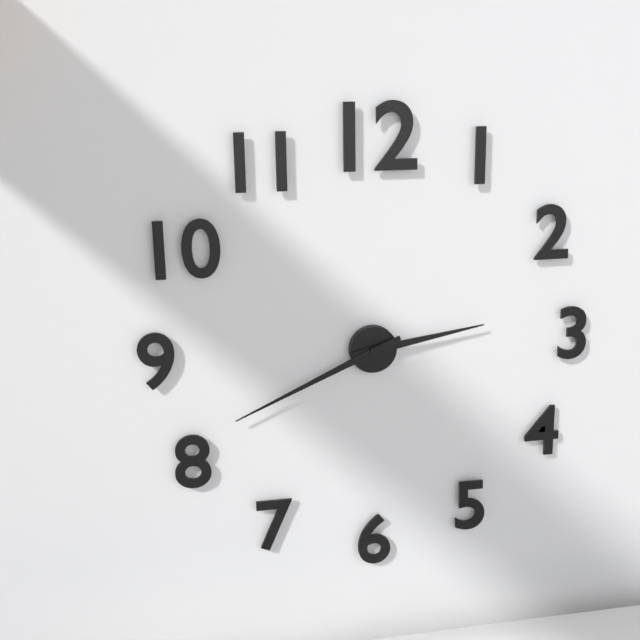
2:41
